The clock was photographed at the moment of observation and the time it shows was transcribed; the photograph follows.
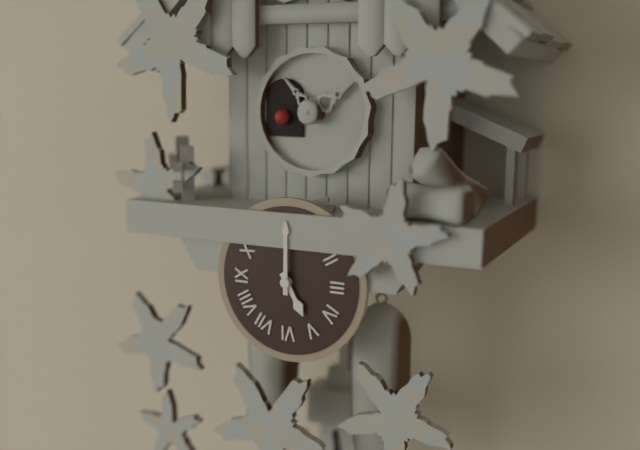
5:00
